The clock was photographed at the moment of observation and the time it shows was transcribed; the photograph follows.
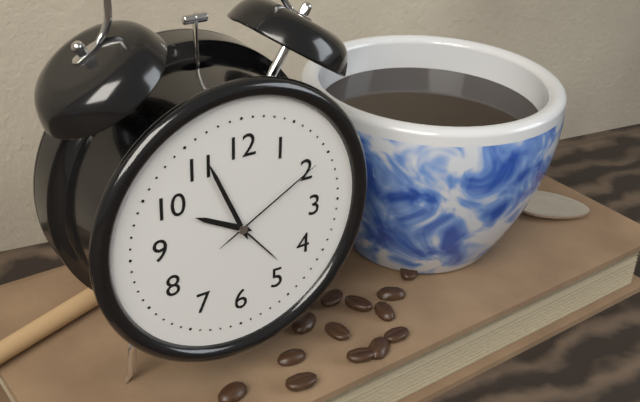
9:56:10
